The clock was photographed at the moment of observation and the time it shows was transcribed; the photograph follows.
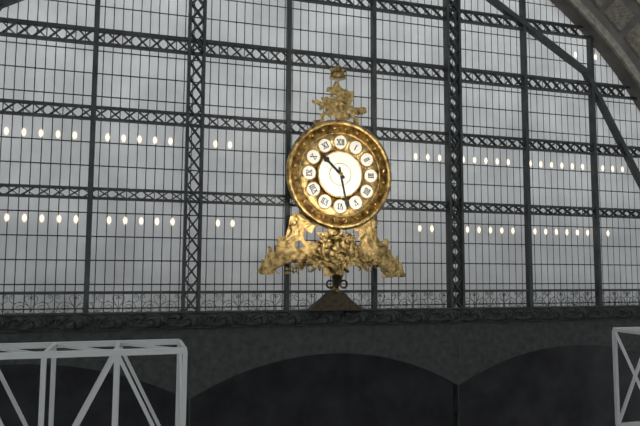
10:28
